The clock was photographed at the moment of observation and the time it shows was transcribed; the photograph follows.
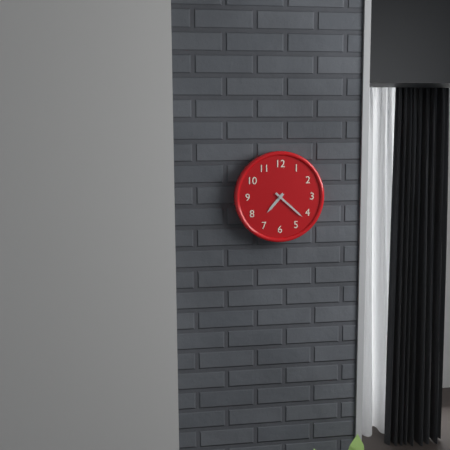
7:22
